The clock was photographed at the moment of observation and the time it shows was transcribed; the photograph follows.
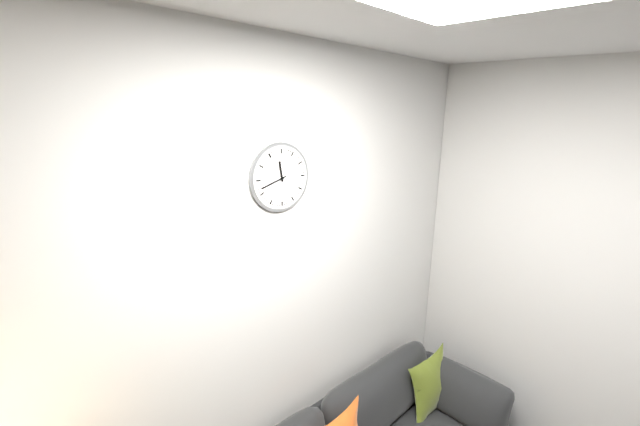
11:42
